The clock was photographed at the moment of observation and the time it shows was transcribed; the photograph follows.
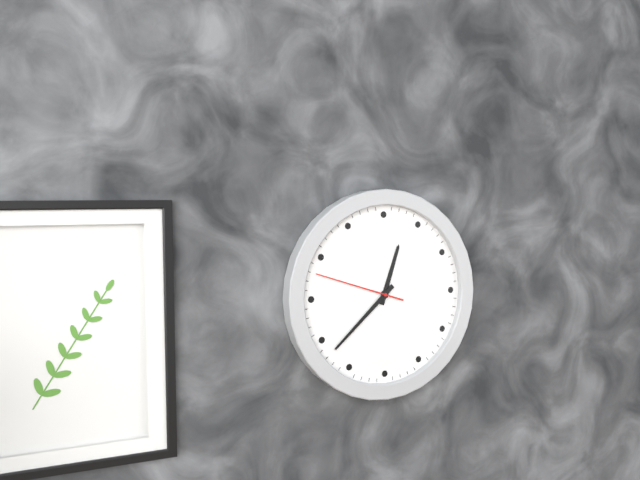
12:38:48
